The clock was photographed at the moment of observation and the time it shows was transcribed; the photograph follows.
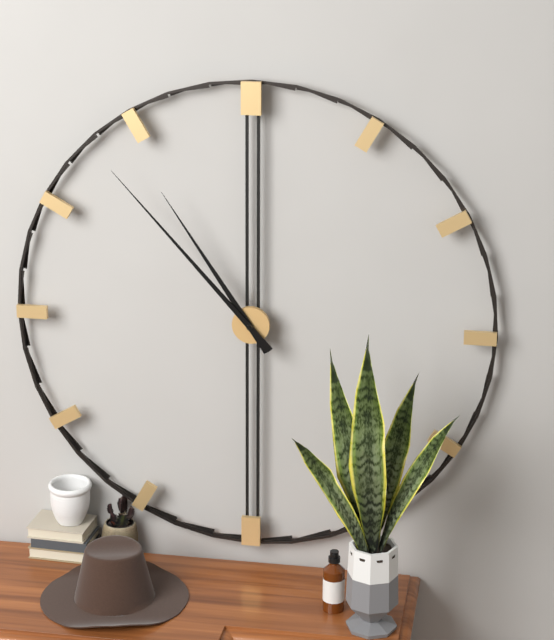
10:53
